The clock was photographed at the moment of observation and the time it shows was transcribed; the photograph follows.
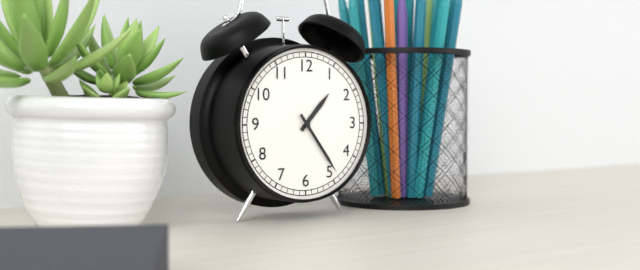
1:24
